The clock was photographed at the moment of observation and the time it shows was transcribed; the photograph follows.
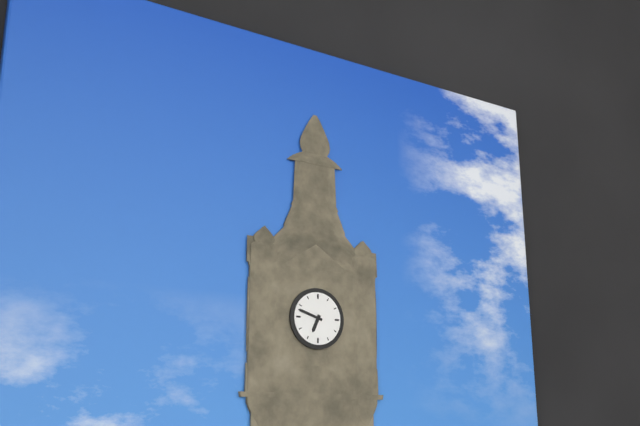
6:48
